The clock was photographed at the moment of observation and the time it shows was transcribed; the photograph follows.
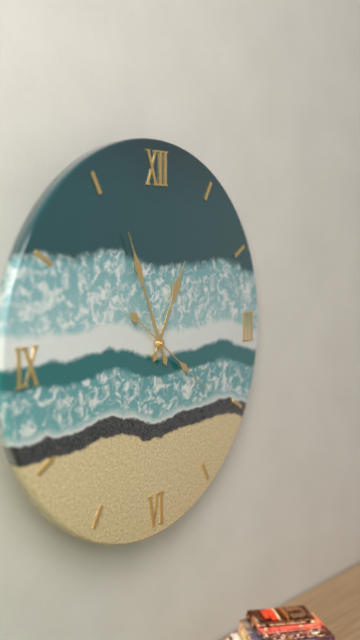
12:56:21
